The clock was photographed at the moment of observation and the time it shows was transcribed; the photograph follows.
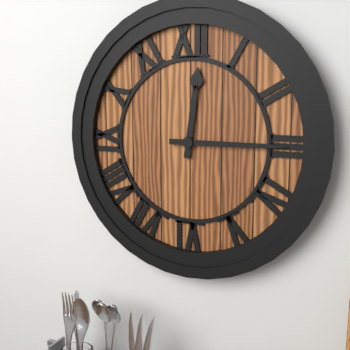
12:15
